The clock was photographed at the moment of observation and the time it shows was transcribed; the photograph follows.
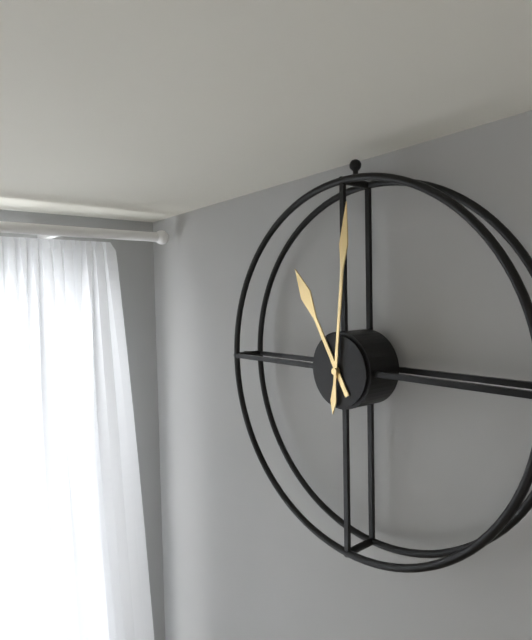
11:01
